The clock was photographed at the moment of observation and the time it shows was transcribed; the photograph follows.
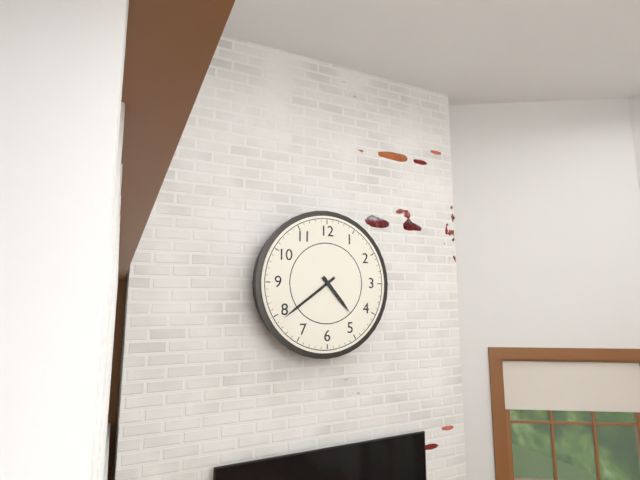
4:39
